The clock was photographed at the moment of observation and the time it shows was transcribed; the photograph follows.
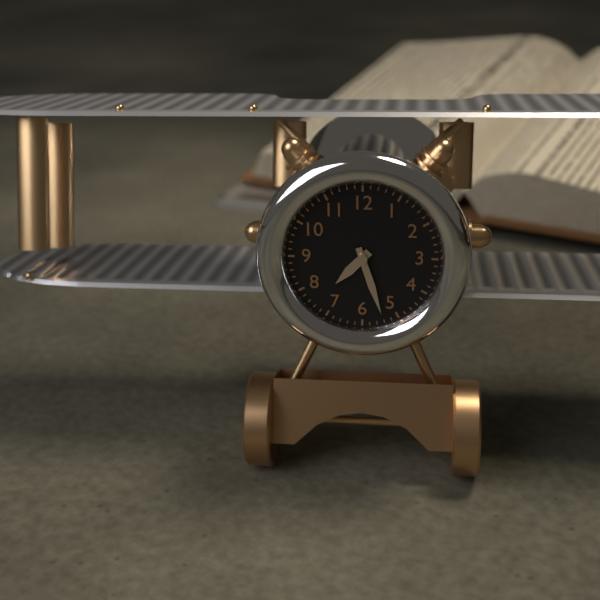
7:27
